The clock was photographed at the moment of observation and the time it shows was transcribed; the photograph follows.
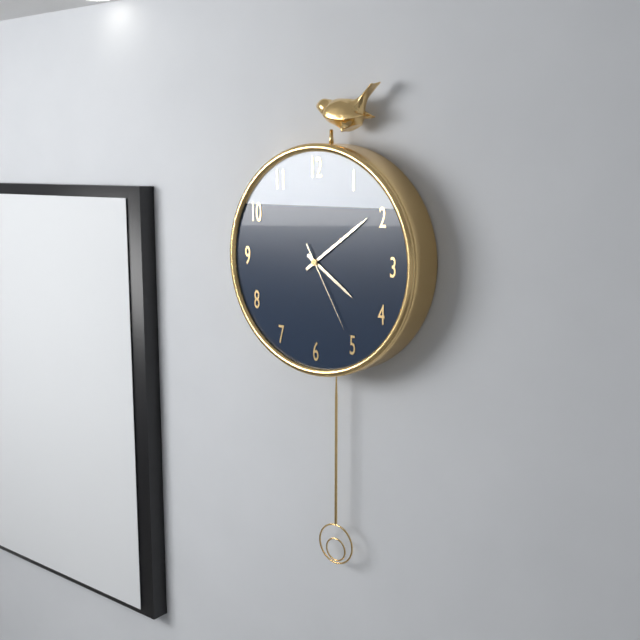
4:09:25
